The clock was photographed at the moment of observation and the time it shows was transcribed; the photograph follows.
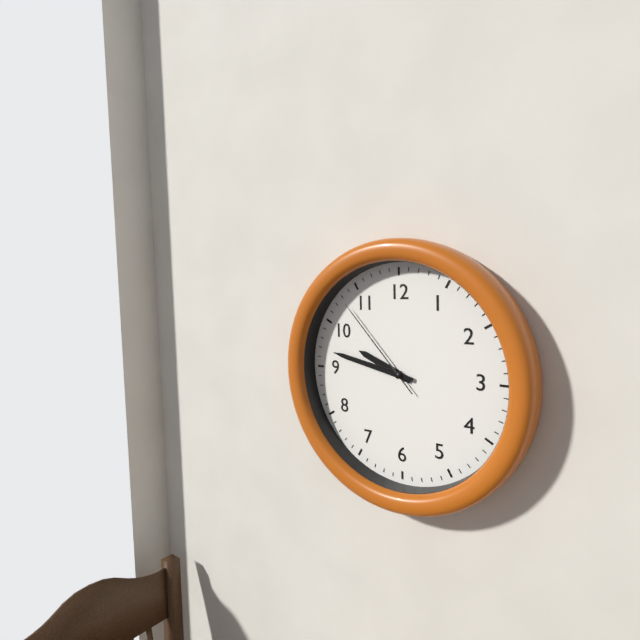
9:47:53
